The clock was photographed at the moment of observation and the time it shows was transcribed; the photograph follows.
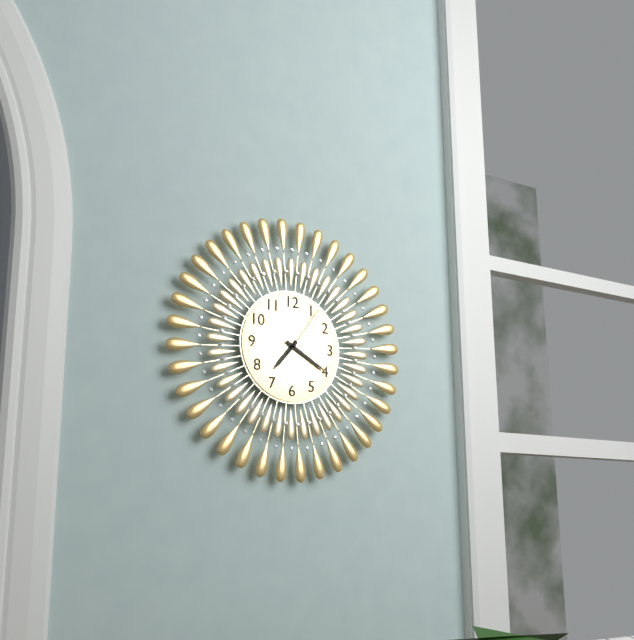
7:20:06
